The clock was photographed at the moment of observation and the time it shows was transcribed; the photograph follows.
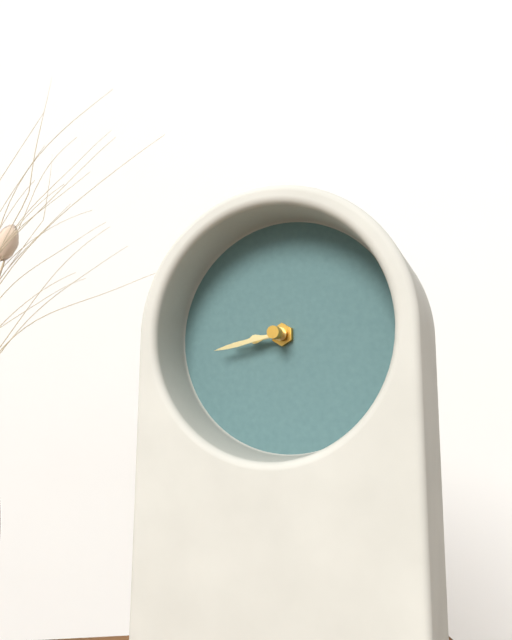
8:43
